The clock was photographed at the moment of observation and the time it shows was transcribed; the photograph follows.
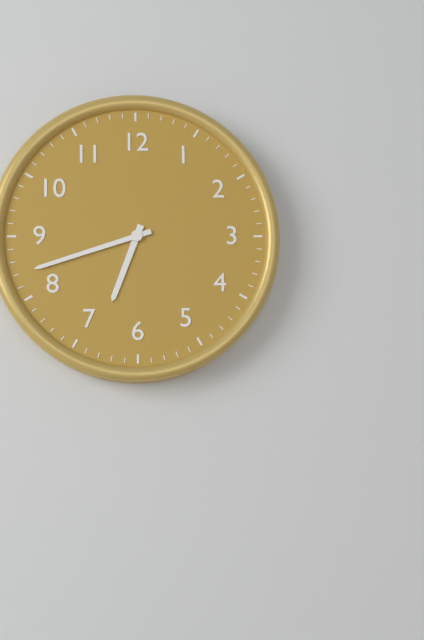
6:42
